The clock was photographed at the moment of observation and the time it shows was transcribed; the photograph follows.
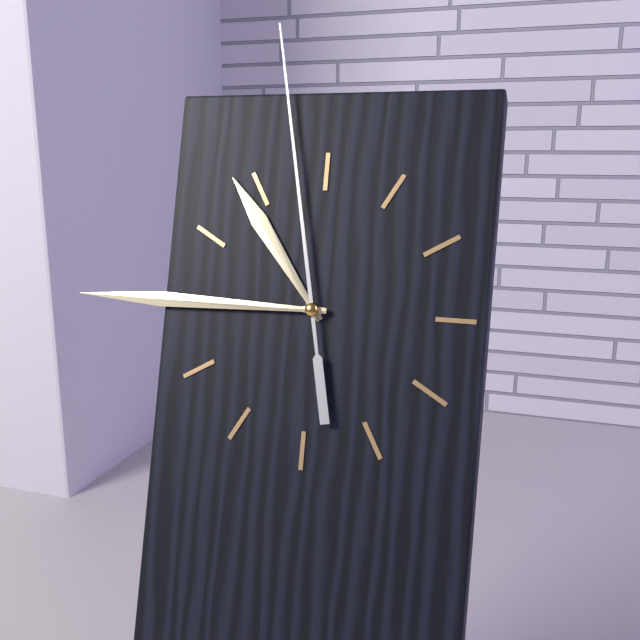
10:45:58
